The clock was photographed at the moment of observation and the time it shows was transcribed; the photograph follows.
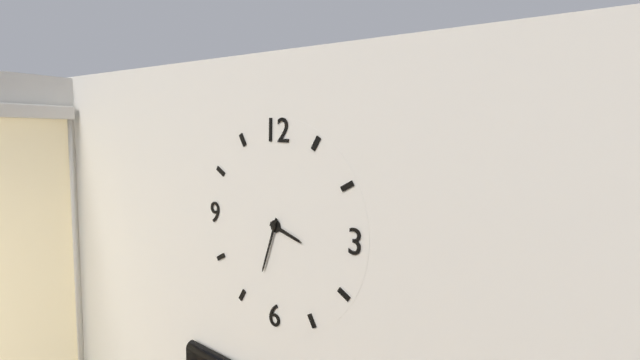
3:33
